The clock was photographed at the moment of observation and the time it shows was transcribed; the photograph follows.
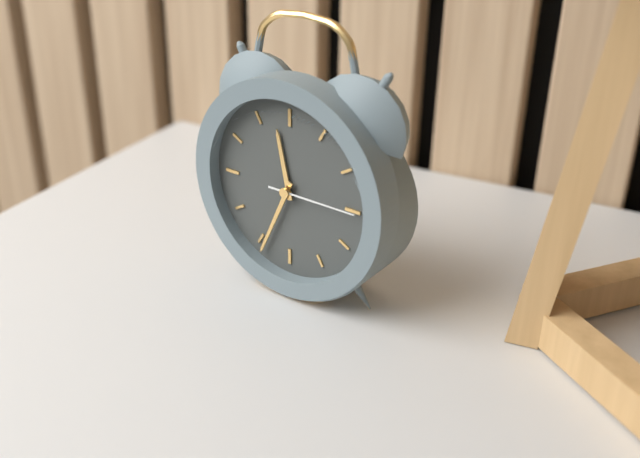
11:34:15
